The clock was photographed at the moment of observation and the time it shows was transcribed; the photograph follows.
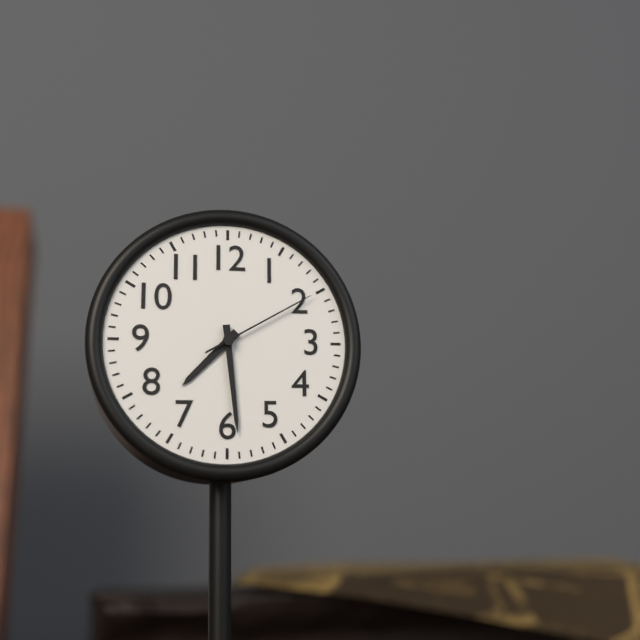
7:29:10
